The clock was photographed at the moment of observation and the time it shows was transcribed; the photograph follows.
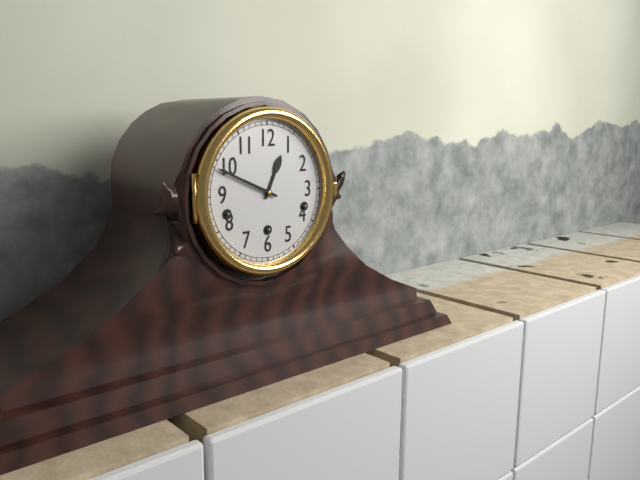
12:49
